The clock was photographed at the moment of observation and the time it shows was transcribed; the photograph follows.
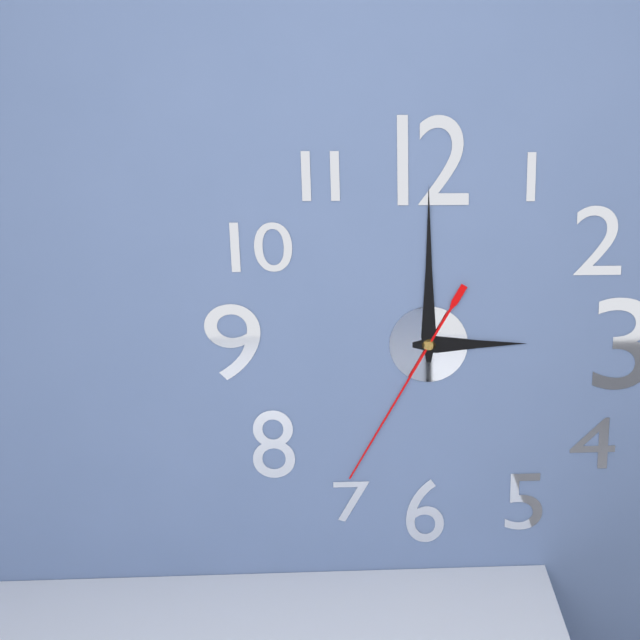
3:00:35
